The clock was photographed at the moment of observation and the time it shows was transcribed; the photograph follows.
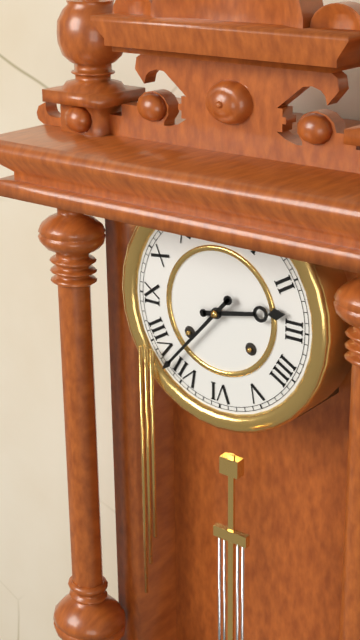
2:37
